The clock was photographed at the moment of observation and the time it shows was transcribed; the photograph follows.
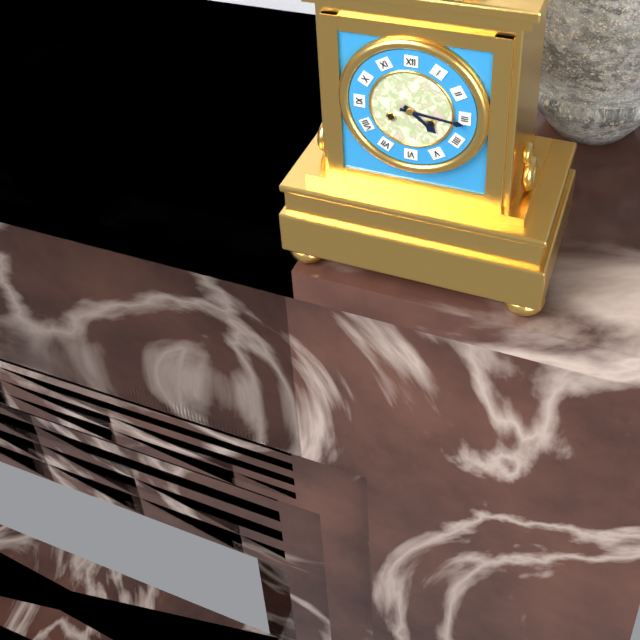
4:16
